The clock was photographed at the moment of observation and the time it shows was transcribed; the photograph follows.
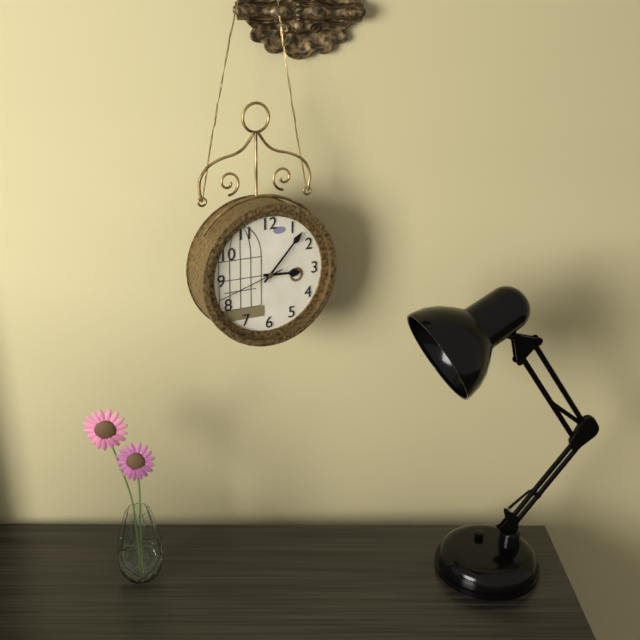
3:07:42
